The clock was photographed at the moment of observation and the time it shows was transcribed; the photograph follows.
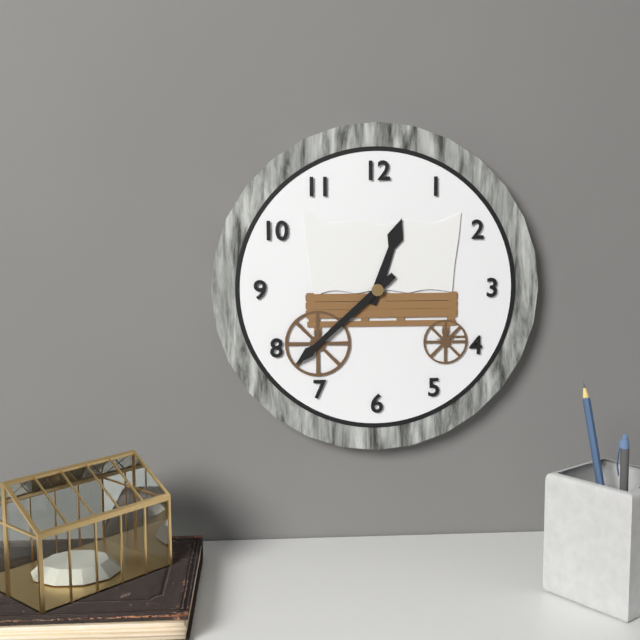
12:38
